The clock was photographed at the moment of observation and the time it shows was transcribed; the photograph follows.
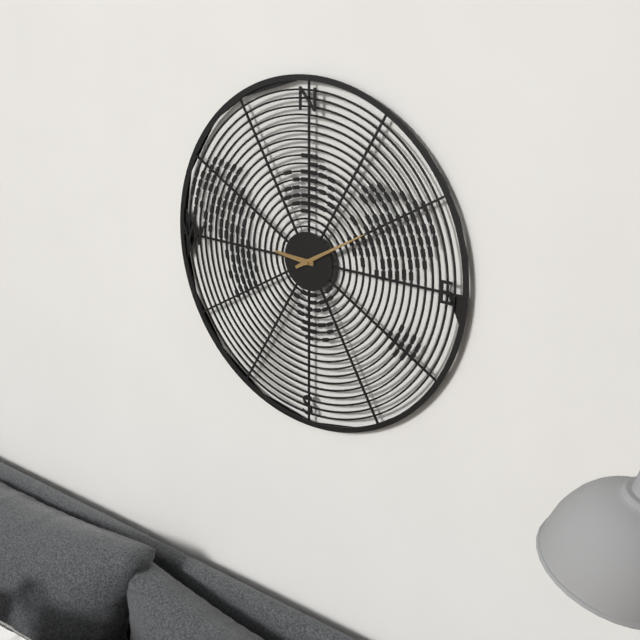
9:10
